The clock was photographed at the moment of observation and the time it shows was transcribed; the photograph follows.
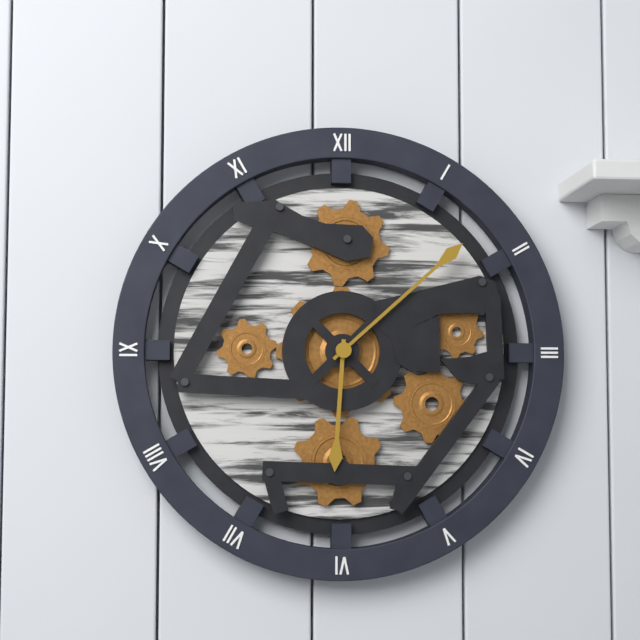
6:08
